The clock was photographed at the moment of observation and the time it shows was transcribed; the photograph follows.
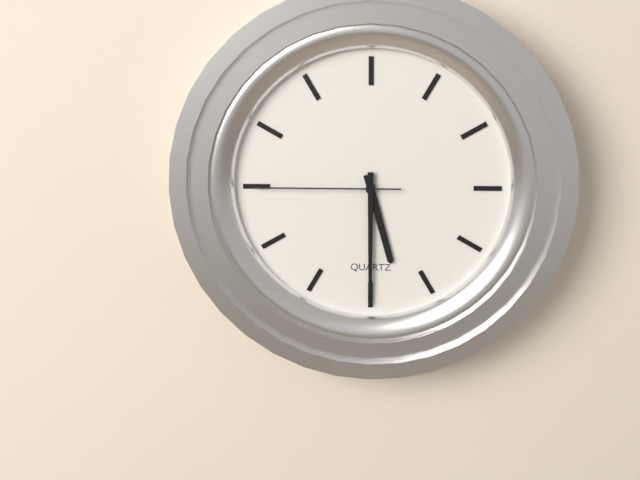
5:30:45
